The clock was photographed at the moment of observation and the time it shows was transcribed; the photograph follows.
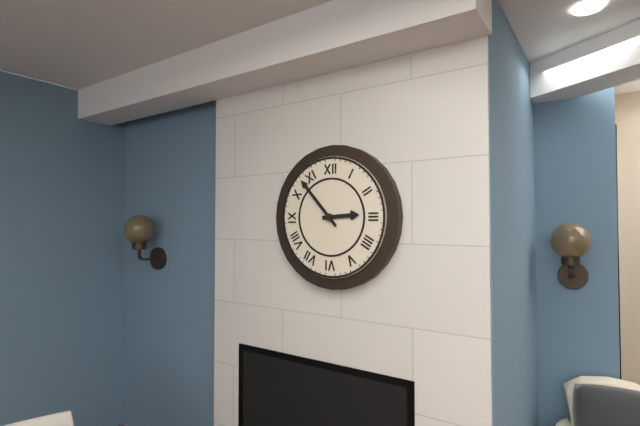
2:53
